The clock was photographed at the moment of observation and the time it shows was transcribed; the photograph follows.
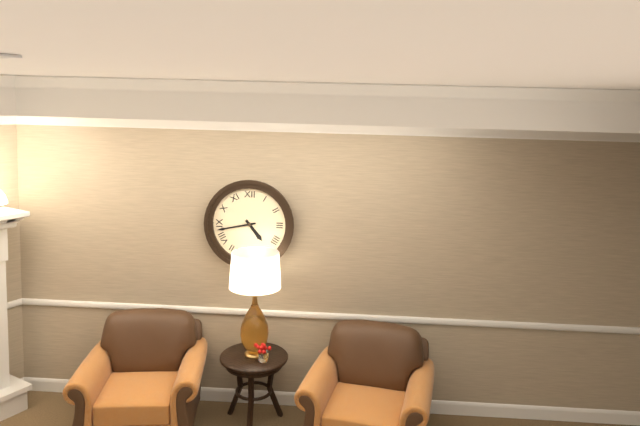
4:43
